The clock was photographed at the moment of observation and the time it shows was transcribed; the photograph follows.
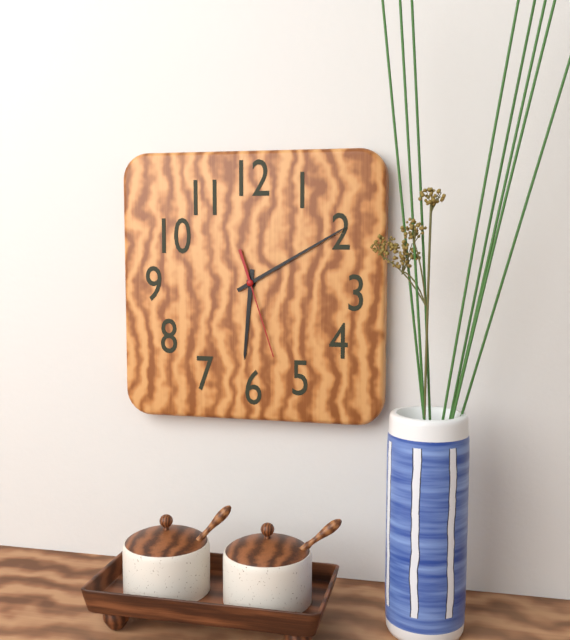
6:10:27
